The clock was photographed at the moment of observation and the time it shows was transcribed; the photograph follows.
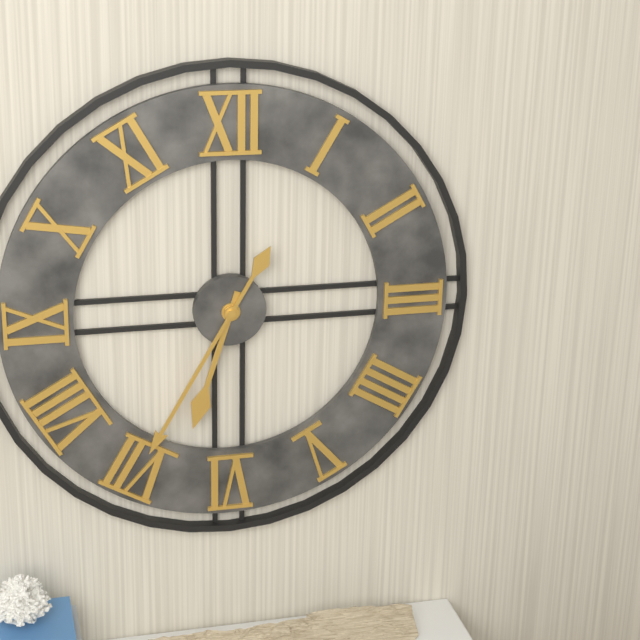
6:35
